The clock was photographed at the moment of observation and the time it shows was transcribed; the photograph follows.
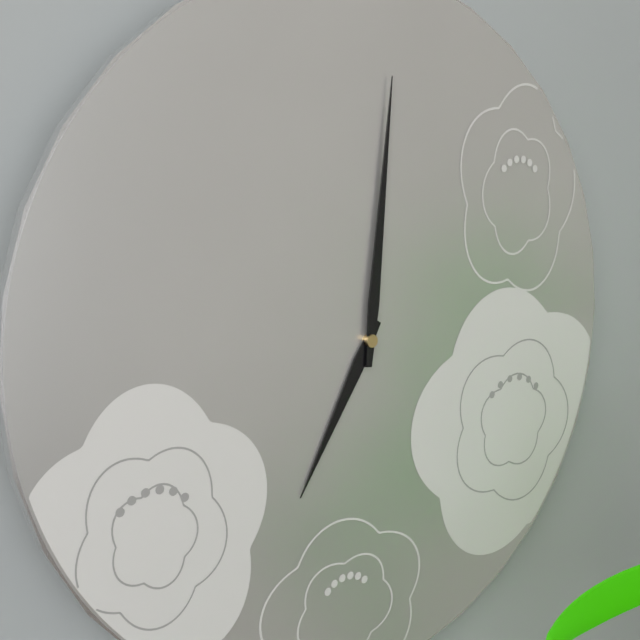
7:01
